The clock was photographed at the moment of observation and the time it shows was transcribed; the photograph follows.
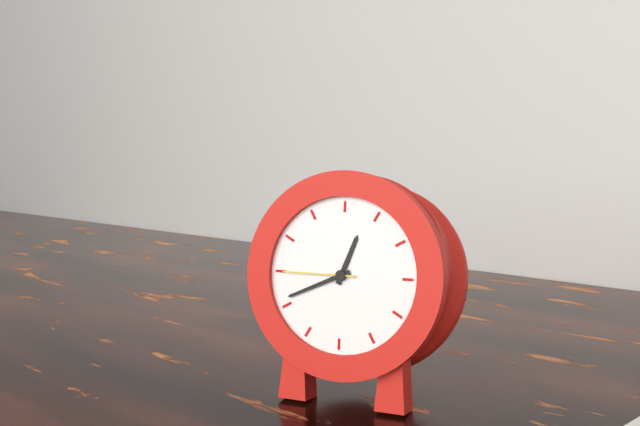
12:41:45
